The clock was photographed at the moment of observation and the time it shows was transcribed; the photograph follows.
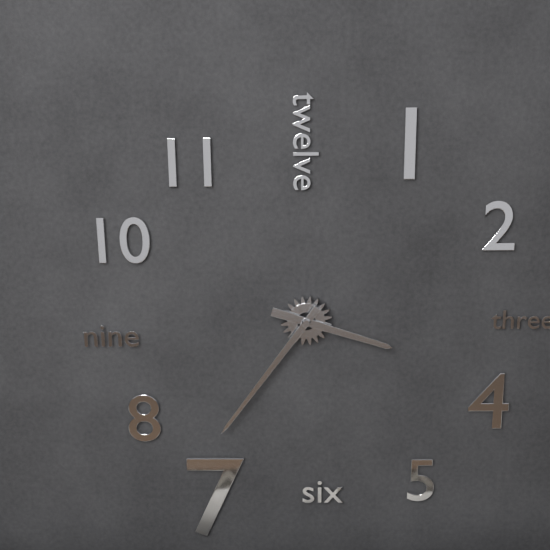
3:36
